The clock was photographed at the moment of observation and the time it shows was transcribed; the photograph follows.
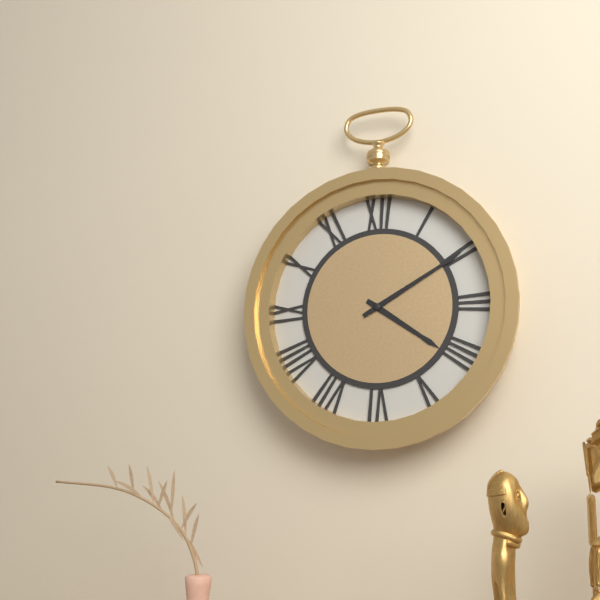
4:10
